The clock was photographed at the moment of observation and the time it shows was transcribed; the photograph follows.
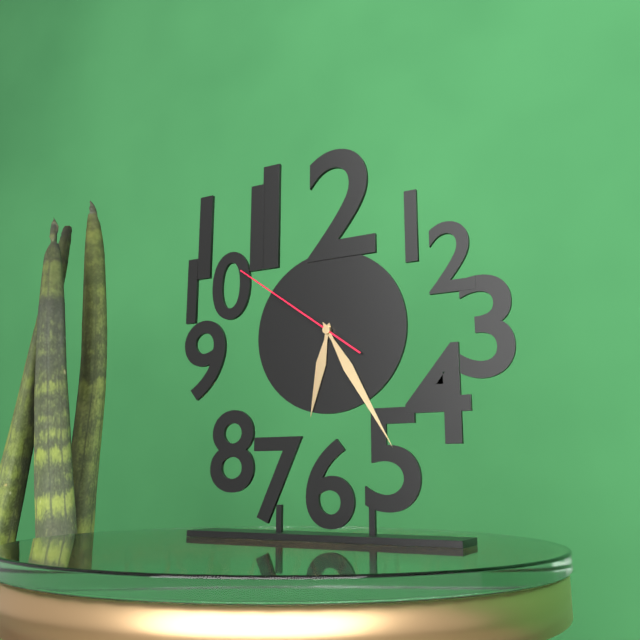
6:25:51
